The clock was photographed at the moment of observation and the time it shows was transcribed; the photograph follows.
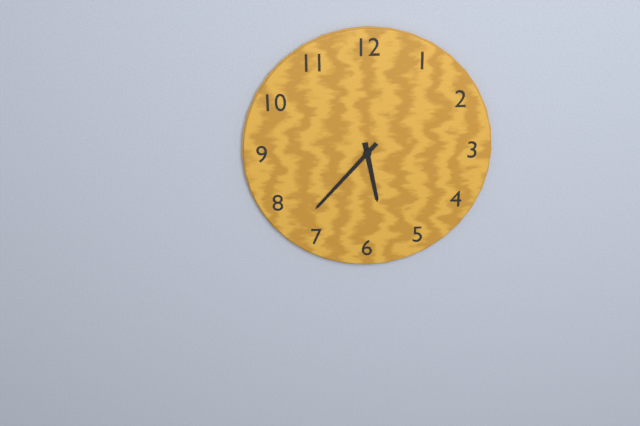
5:37
